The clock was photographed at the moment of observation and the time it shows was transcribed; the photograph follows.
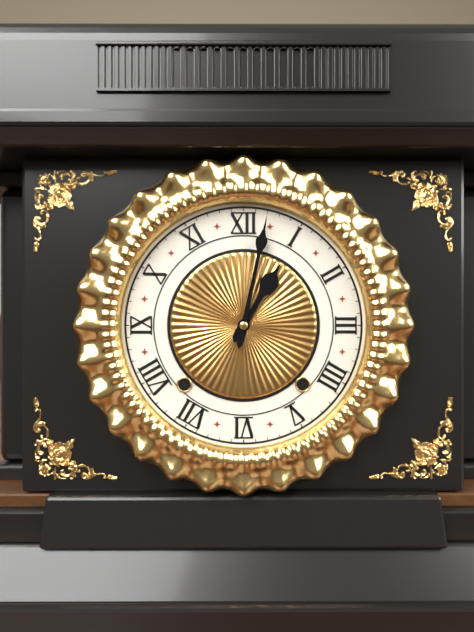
1:02
